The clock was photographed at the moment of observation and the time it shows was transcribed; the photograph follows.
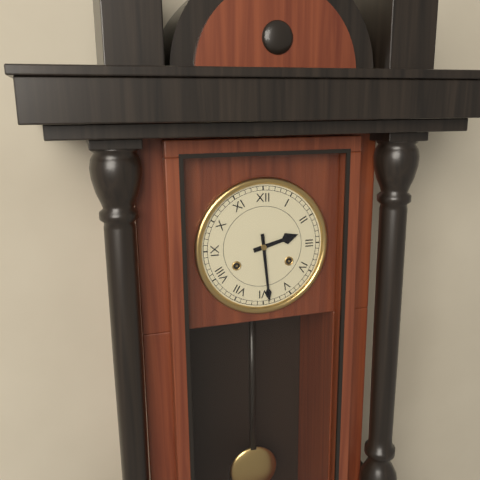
2:29
